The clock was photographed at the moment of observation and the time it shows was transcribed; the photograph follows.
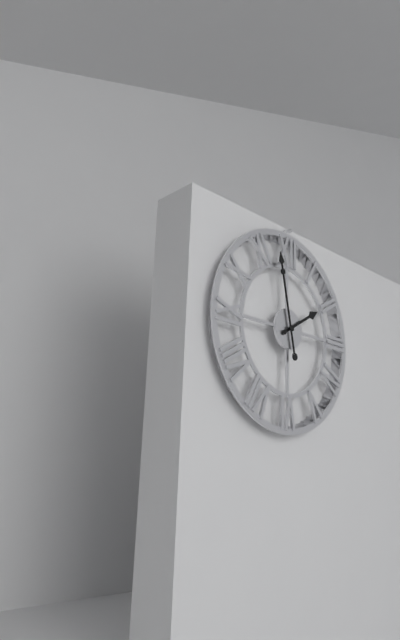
1:58
